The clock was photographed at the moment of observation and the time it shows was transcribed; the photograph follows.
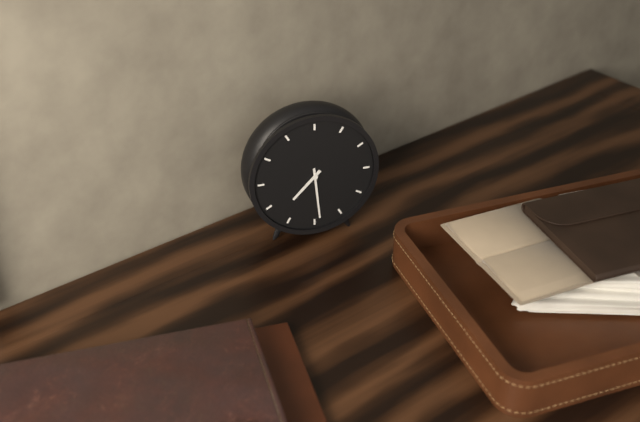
7:29
